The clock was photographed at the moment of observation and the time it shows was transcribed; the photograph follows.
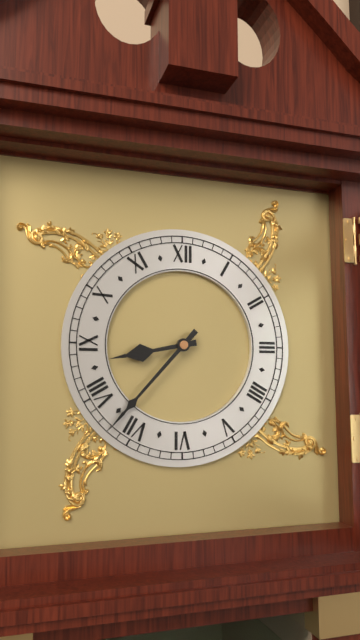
8:37
